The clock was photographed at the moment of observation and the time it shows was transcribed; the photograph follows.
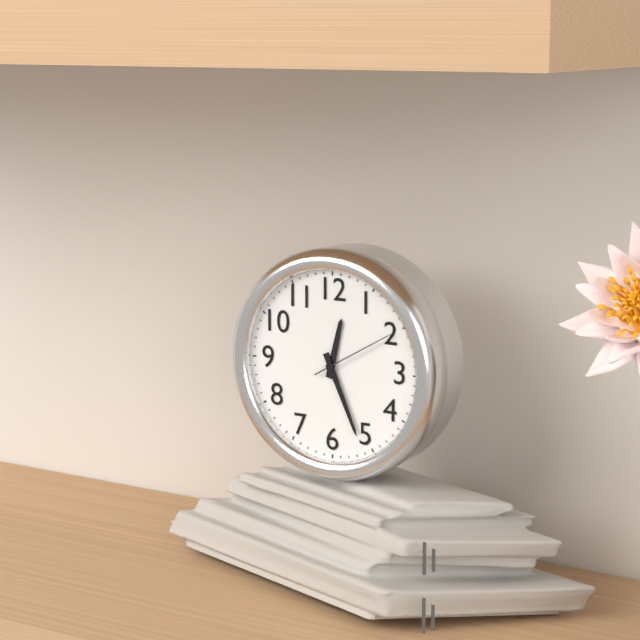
12:26:10
